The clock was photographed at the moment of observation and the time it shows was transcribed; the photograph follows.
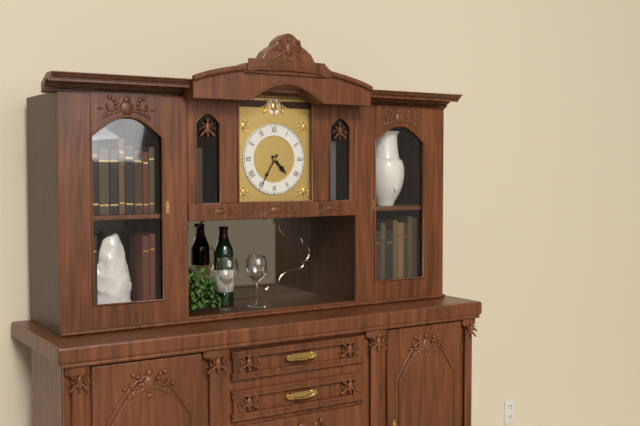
4:35
